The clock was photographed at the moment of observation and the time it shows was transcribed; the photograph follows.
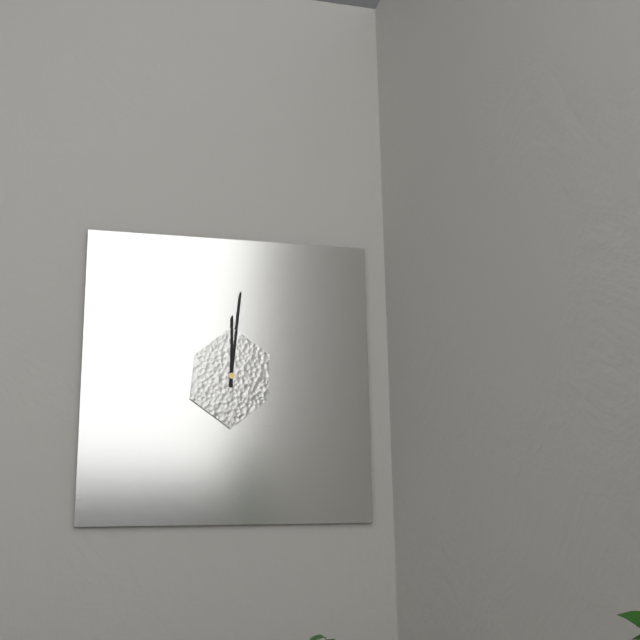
12:01
